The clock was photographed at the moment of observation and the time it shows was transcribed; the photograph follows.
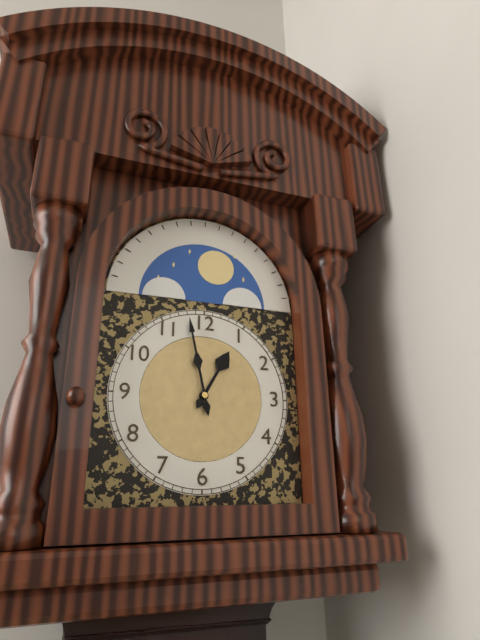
12:58
